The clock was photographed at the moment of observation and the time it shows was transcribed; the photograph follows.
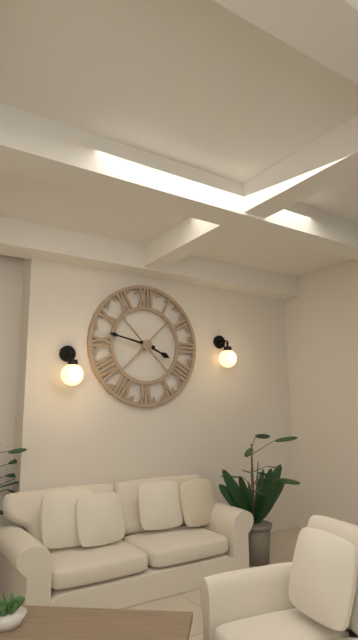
3:47
